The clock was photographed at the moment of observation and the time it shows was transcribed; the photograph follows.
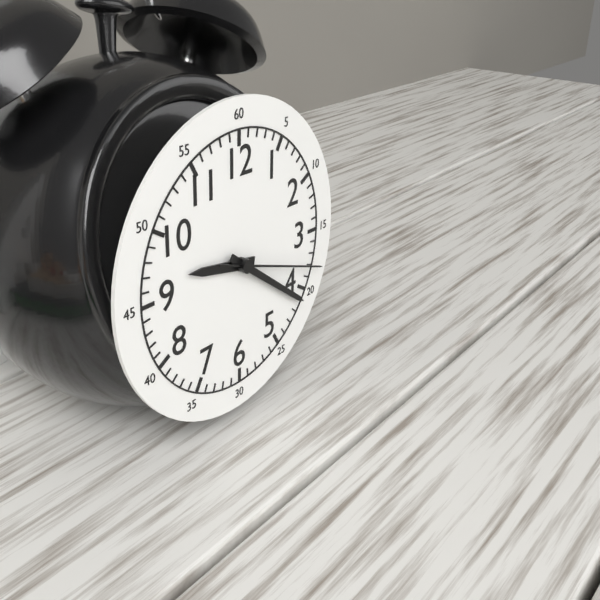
9:21:18
